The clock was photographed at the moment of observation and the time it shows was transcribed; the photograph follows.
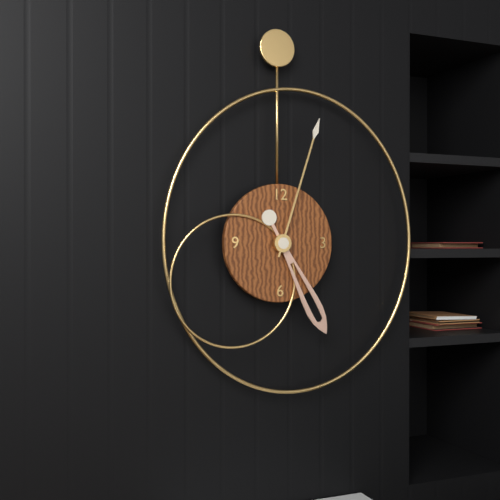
5:03
